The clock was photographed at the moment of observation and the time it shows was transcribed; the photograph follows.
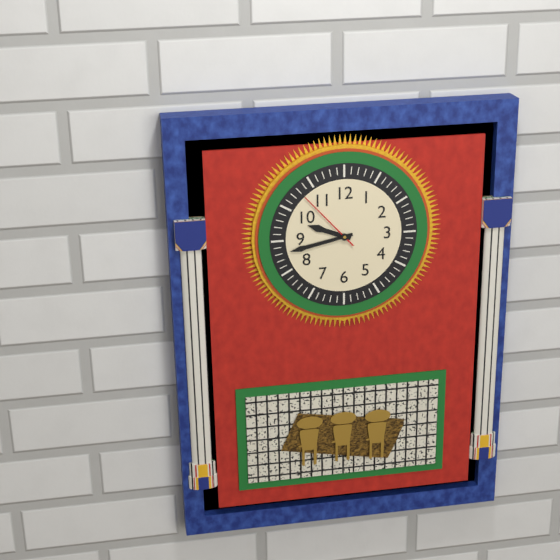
9:43:53
